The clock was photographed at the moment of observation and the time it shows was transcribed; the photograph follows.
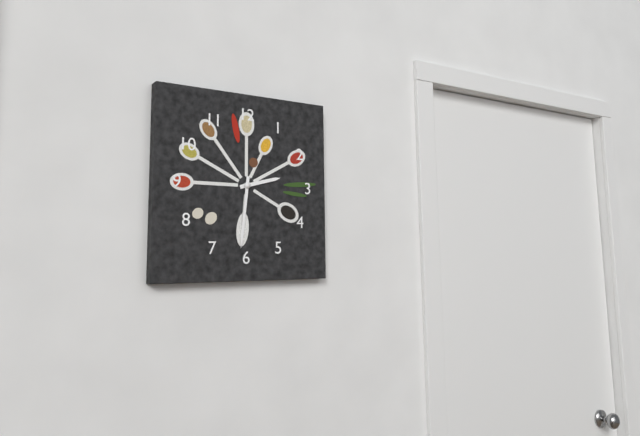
2:31
